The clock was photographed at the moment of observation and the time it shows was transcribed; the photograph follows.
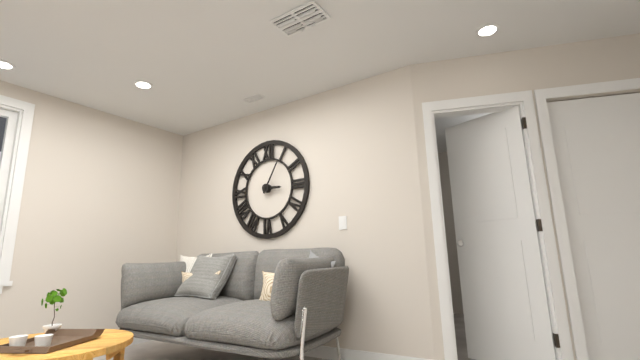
3:05
